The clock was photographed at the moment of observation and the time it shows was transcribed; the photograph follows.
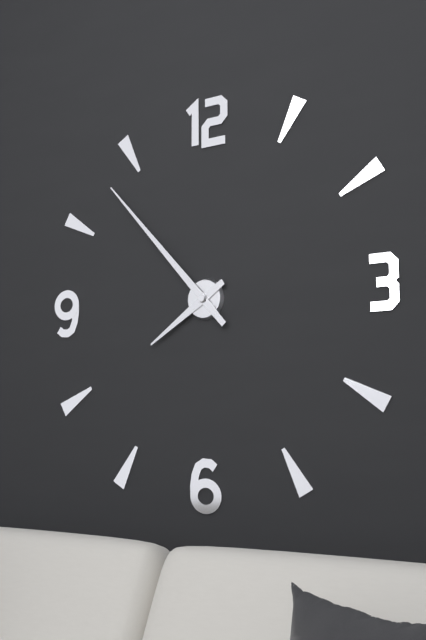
7:53
